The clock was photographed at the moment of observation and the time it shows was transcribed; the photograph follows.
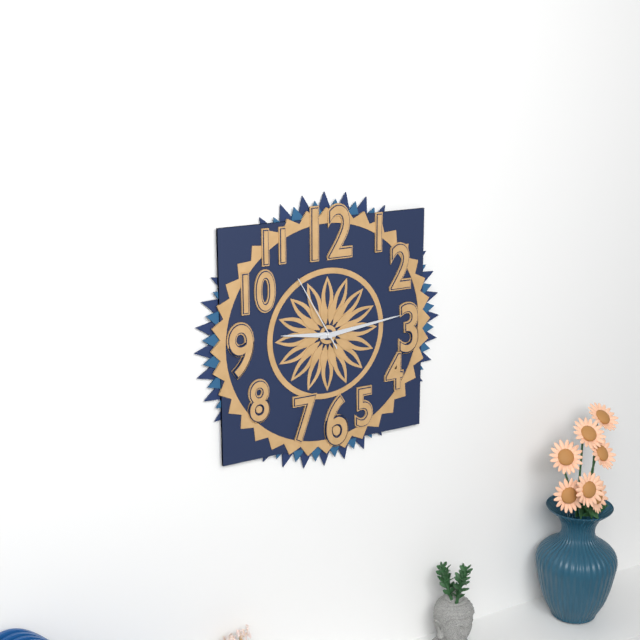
9:14:55
